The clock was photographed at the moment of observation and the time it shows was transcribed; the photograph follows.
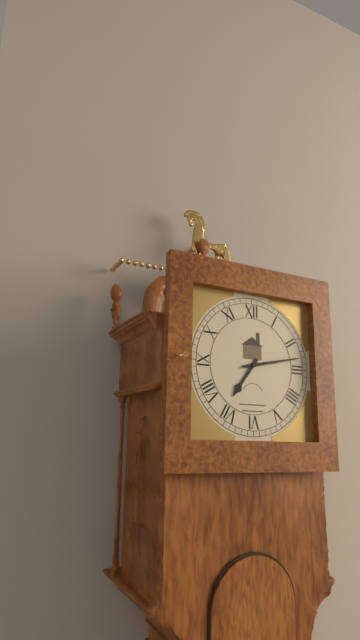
7:13
